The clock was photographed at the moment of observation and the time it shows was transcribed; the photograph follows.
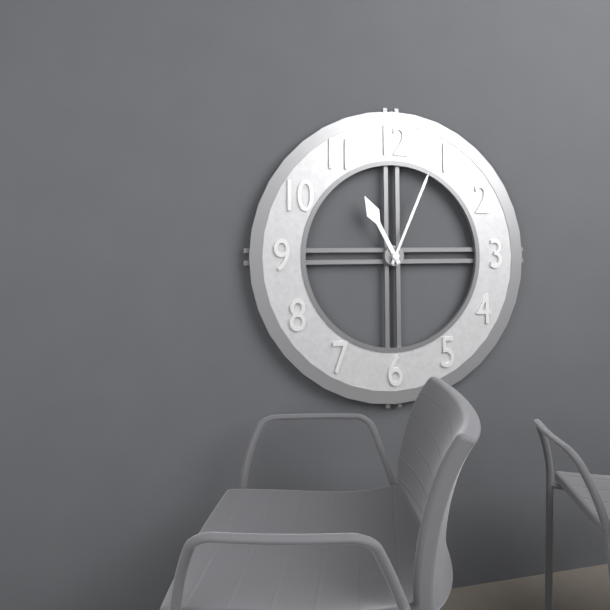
11:04
